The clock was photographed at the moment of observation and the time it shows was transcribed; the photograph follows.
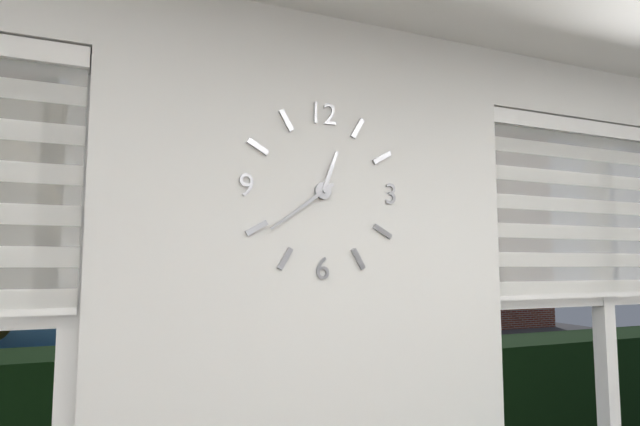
12:39
